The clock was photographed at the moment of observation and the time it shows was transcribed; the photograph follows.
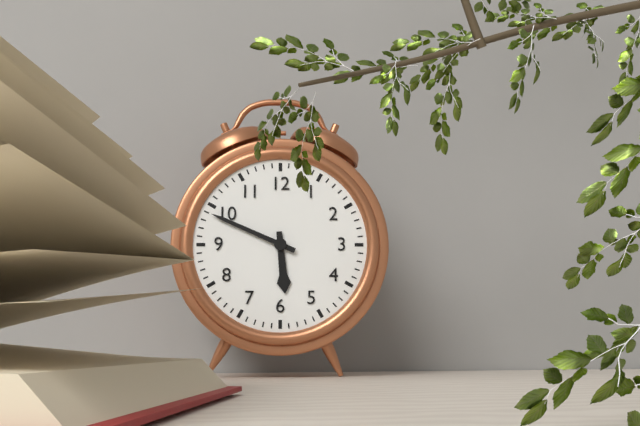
5:49
